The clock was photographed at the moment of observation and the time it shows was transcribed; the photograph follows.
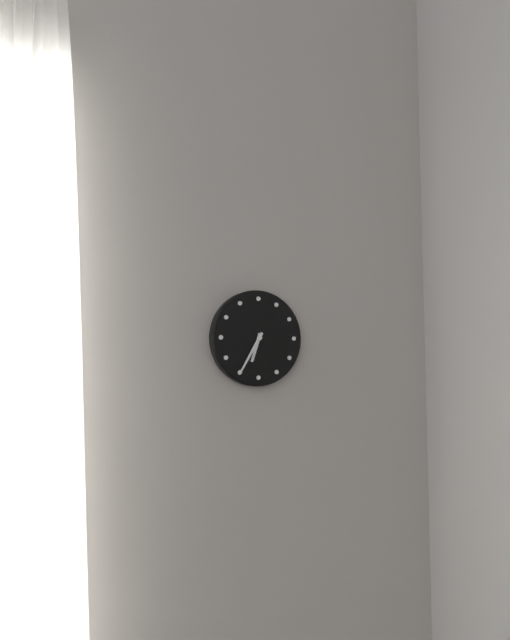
6:35
